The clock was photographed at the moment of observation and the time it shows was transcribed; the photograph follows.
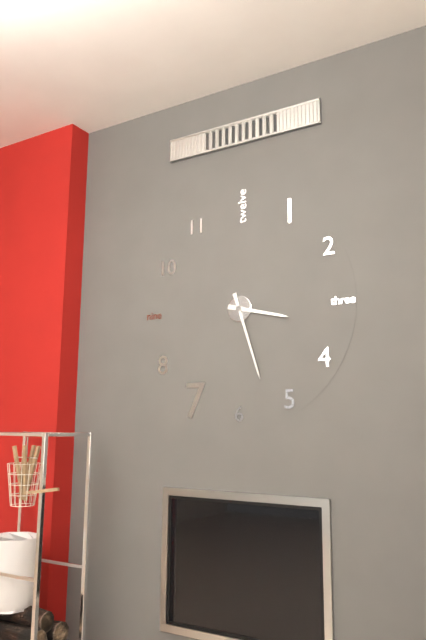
3:27
